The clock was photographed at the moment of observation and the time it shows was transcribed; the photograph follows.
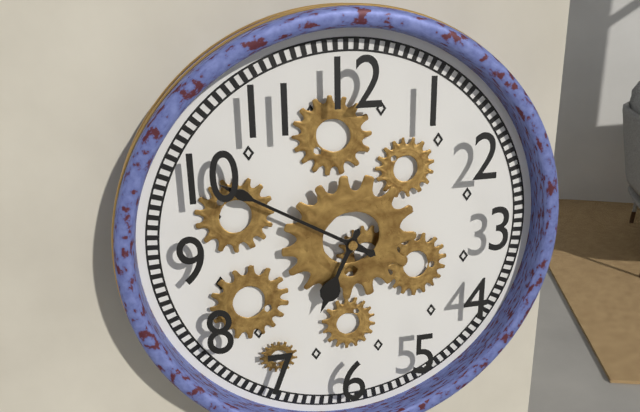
6:50
